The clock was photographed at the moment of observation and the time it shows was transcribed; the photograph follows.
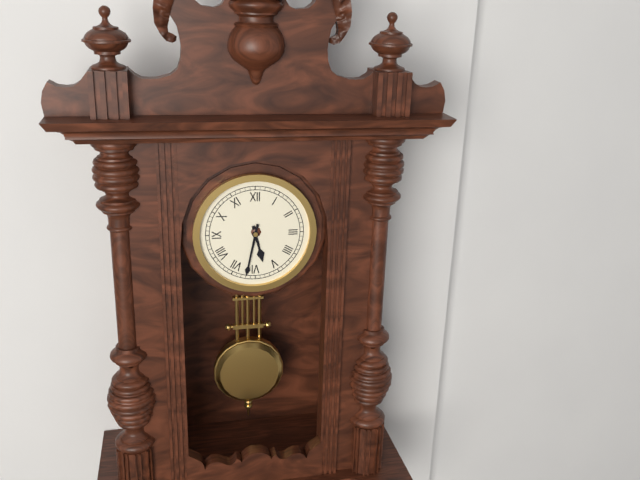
5:32
